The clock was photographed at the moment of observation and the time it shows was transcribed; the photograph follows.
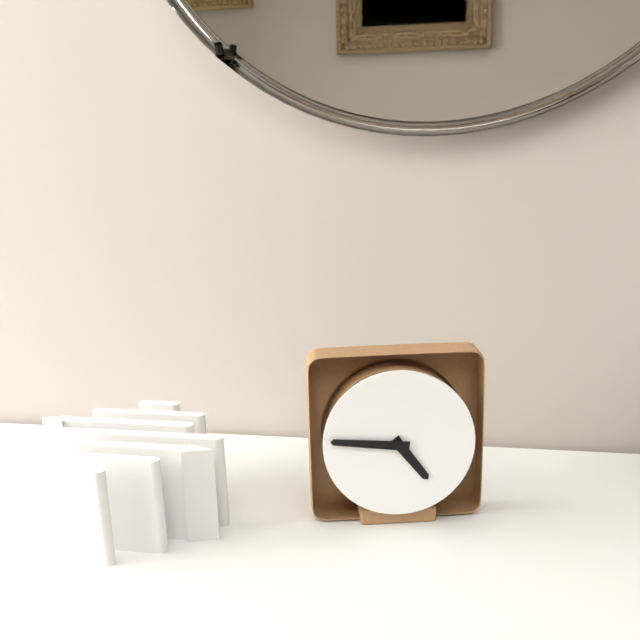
4:46
